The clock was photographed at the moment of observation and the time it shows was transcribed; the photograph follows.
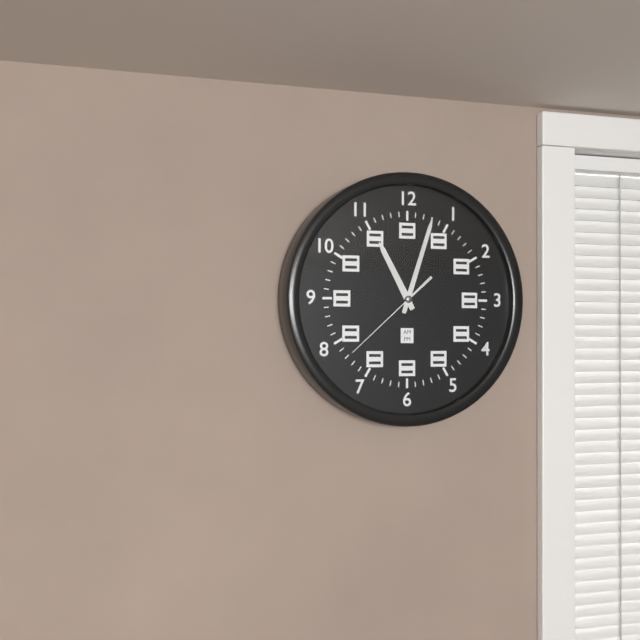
11:03:38
